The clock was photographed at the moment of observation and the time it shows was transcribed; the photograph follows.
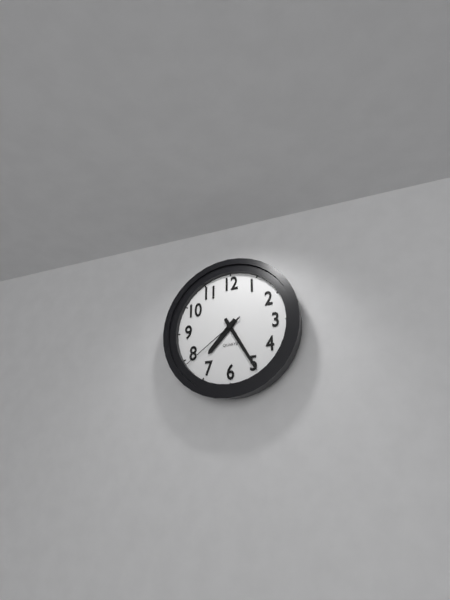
7:25:39
